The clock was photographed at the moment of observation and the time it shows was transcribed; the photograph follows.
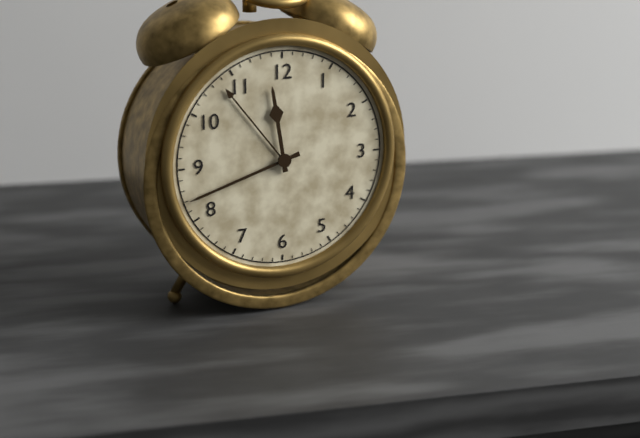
11:42
